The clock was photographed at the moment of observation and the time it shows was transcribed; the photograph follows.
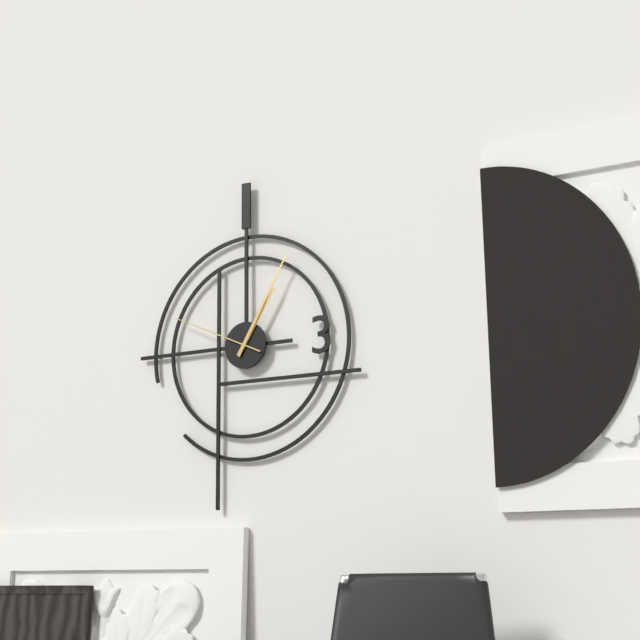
1:05:49
